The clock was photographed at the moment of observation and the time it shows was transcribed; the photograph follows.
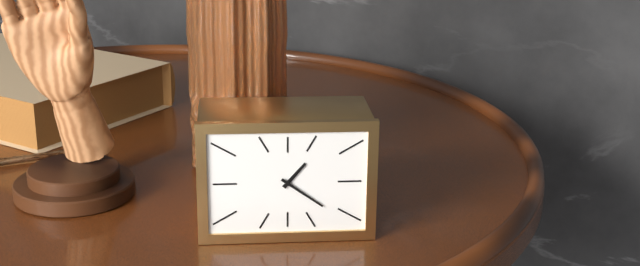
1:21
